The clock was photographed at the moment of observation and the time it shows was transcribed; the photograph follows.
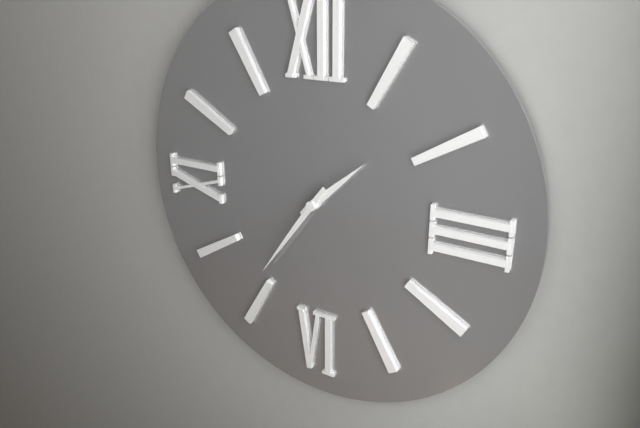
1:36
